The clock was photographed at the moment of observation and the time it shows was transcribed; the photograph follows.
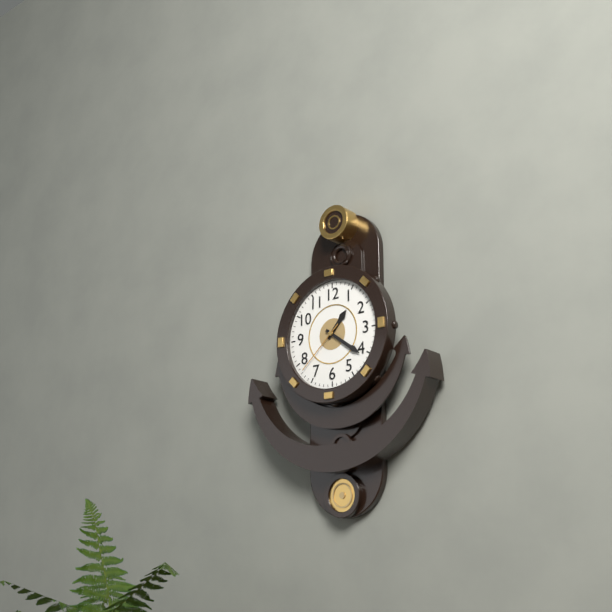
1:21:38
